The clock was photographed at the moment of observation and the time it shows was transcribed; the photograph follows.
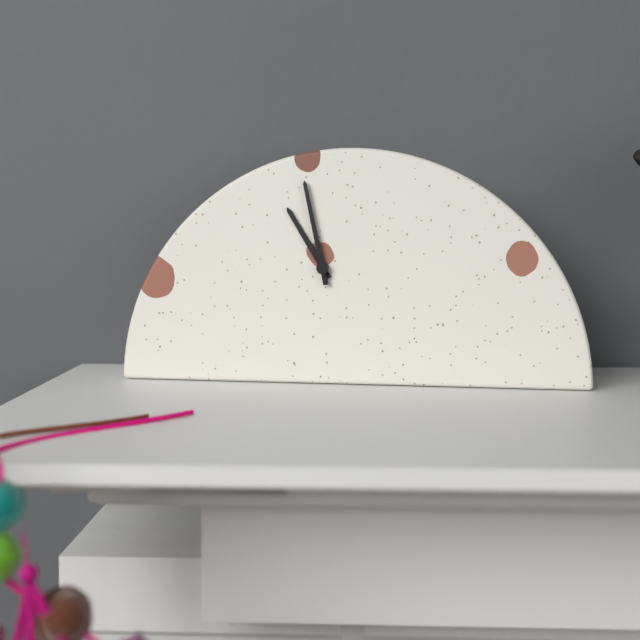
10:58
